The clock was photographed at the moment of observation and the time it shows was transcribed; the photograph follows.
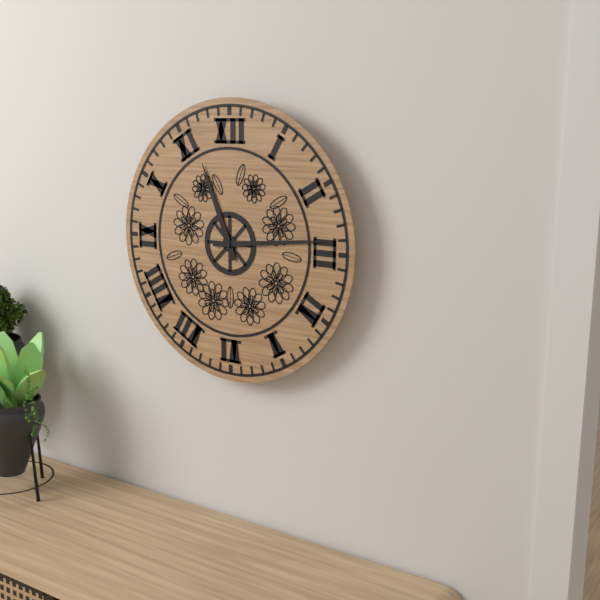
11:14
